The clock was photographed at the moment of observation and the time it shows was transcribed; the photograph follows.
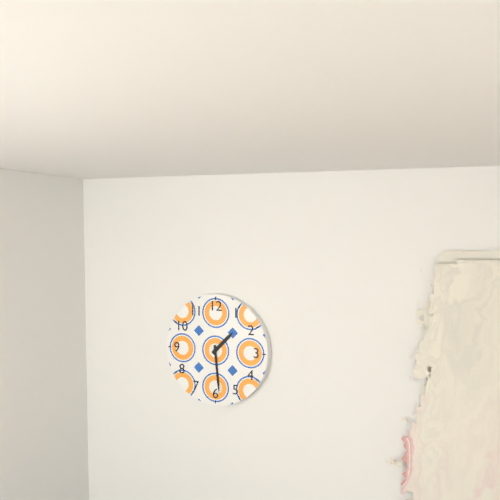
1:29
